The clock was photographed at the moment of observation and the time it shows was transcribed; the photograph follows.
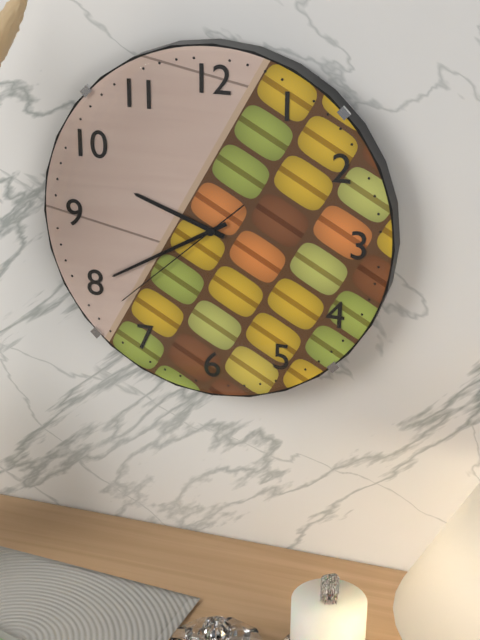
9:40:38
